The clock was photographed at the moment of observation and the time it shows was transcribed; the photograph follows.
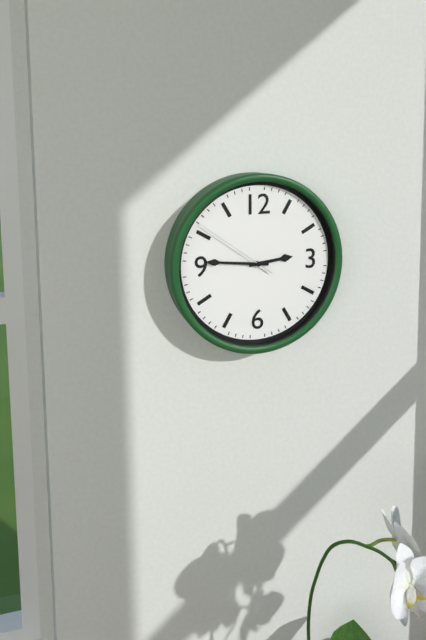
2:46:51
